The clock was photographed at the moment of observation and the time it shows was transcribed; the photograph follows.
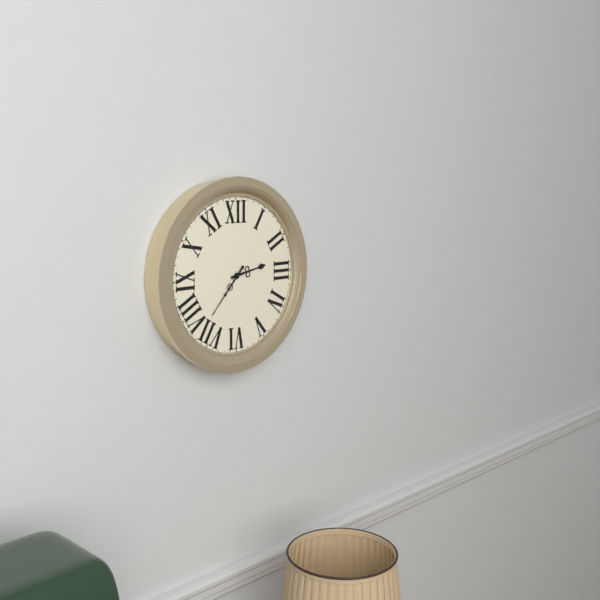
2:37
